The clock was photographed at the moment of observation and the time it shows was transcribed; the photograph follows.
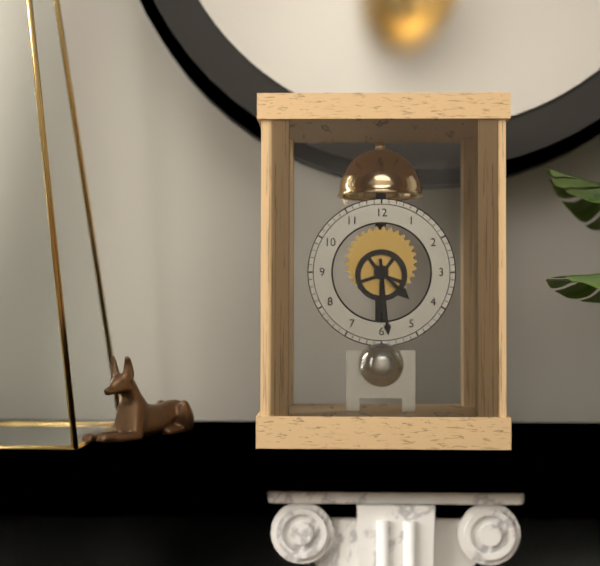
4:29
